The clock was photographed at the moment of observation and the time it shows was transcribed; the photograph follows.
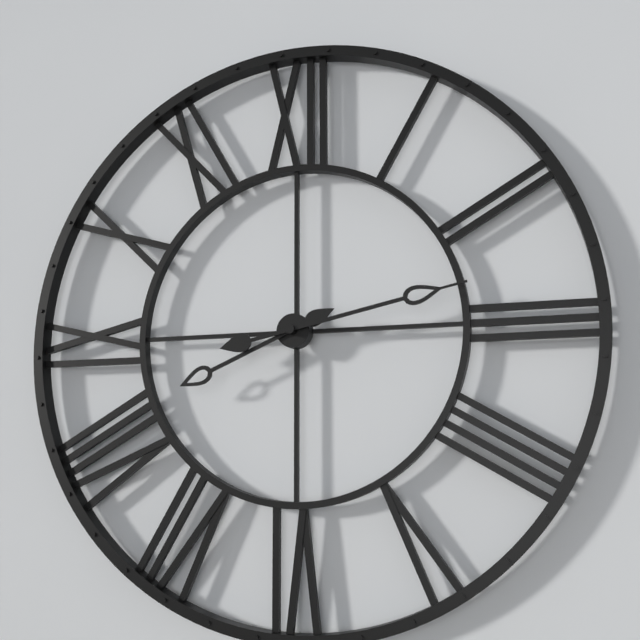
8:13
